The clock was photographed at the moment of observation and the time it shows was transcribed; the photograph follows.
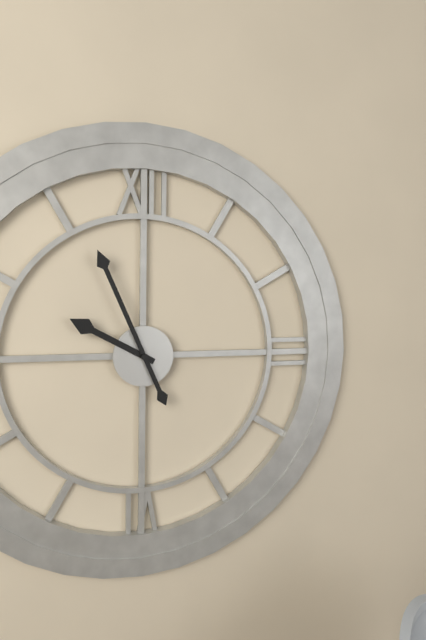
9:56
